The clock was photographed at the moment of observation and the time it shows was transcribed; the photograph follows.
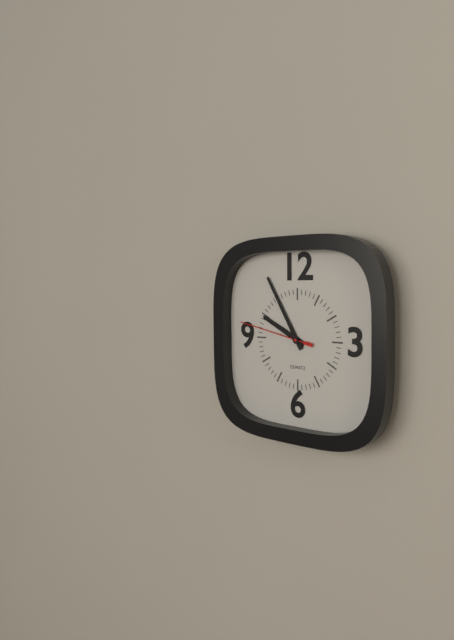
9:55:47
